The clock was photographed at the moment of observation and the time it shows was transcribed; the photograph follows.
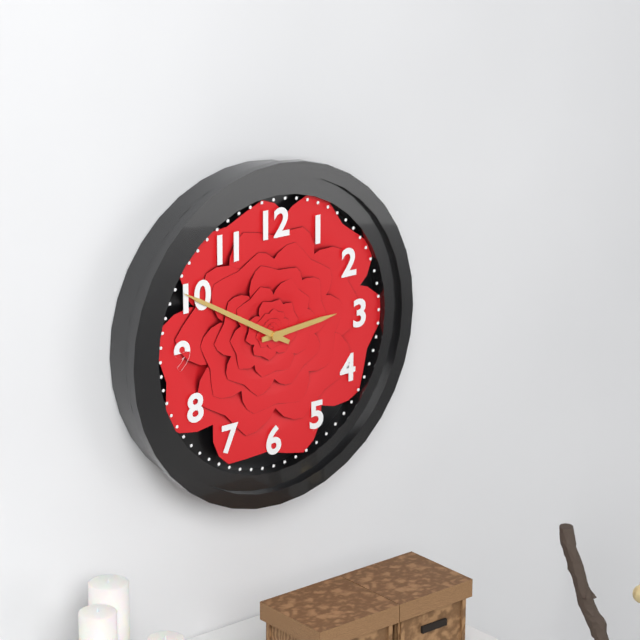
2:50
